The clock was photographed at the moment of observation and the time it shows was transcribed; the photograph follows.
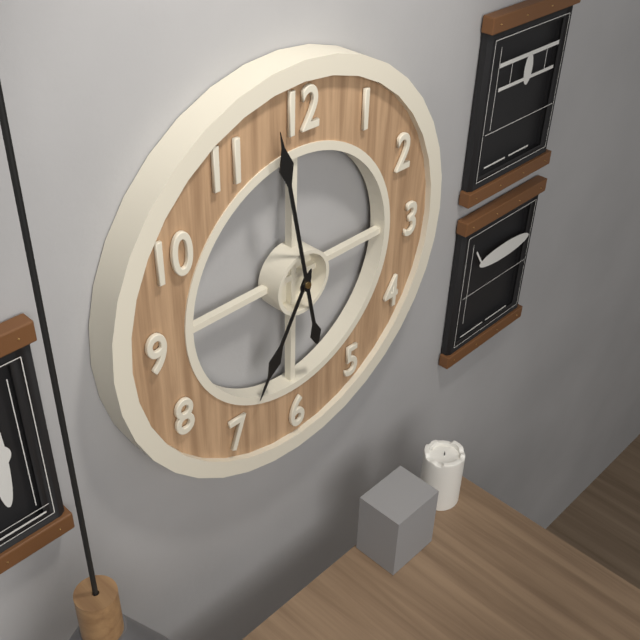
6:58
